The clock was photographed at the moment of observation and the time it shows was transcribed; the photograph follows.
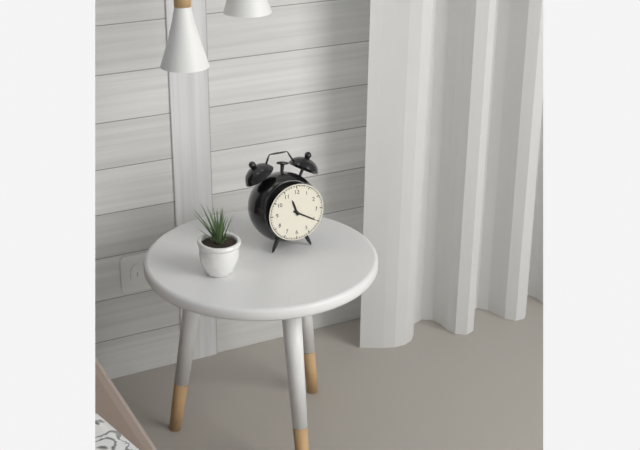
11:20
